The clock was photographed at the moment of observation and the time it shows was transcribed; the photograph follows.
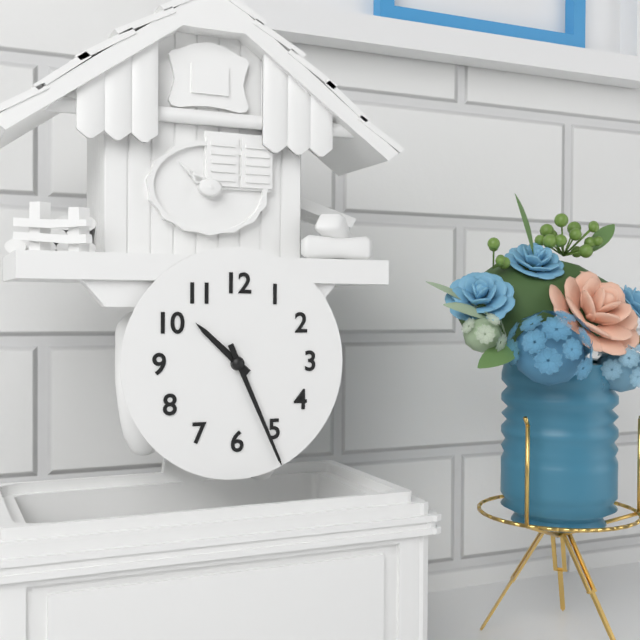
10:26
